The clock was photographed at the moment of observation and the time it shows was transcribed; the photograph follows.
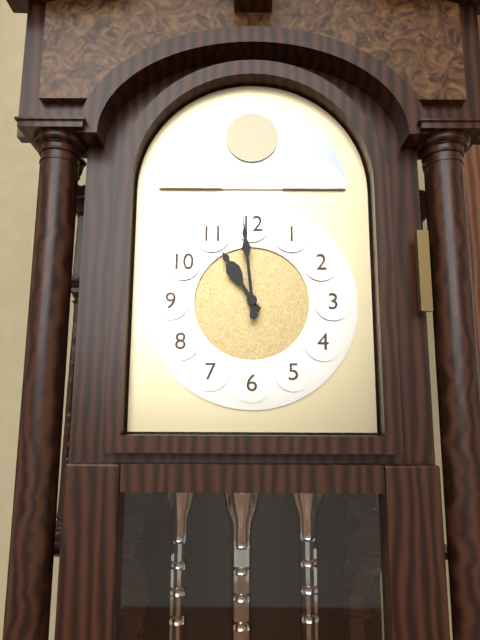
10:59
